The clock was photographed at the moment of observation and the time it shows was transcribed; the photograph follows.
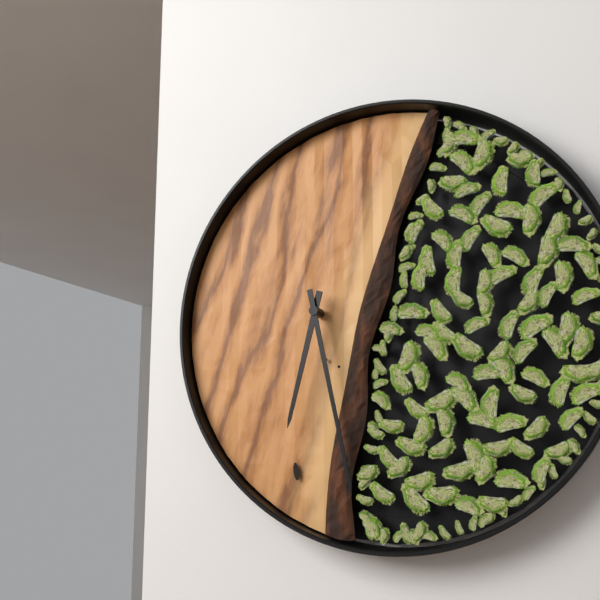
6:28
